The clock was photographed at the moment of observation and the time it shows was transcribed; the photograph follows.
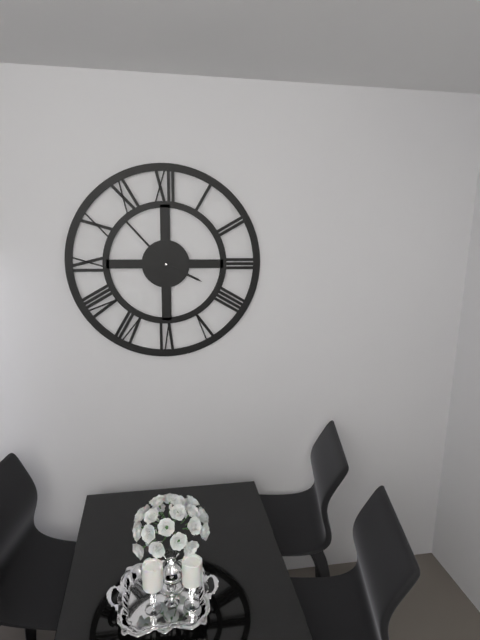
3:53
